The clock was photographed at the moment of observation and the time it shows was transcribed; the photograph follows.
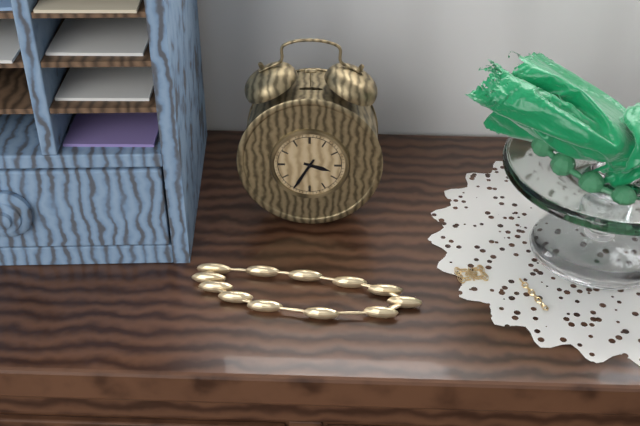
3:35
